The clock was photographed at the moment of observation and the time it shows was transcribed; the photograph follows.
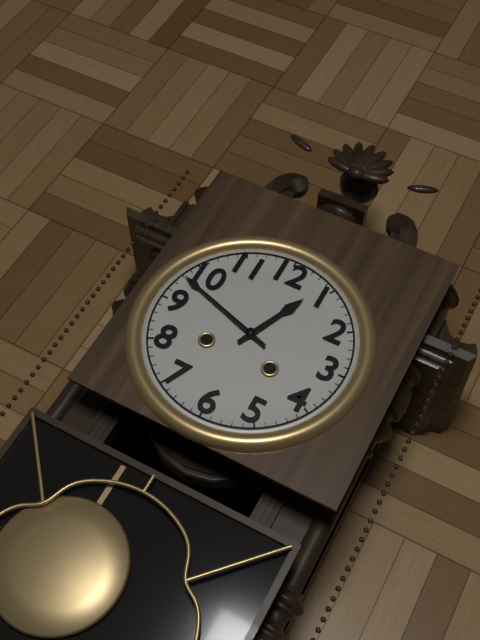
12:48
